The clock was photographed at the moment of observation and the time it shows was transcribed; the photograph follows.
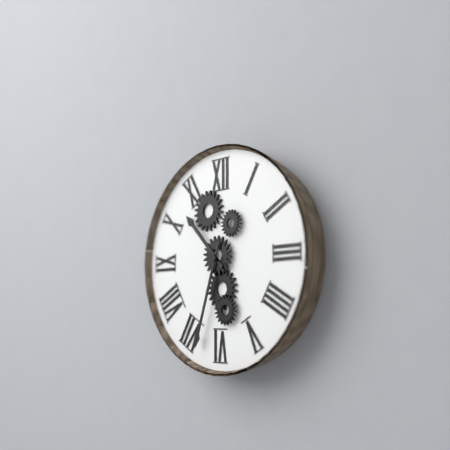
10:33
